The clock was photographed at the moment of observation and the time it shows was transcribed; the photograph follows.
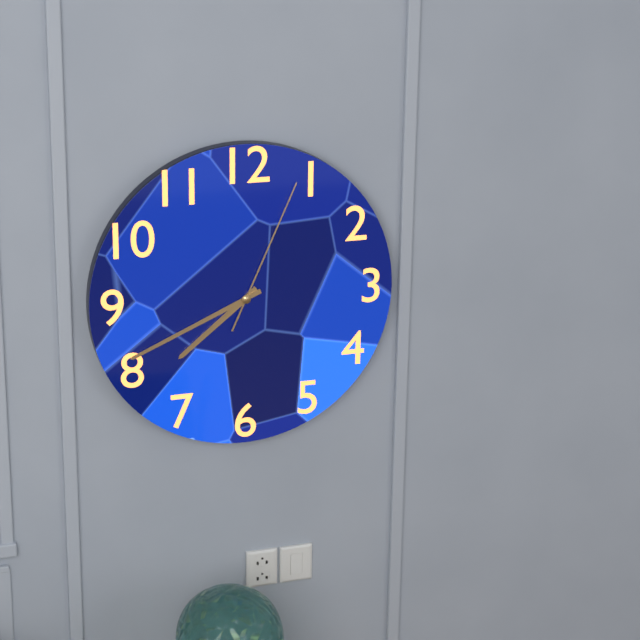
7:41:04
